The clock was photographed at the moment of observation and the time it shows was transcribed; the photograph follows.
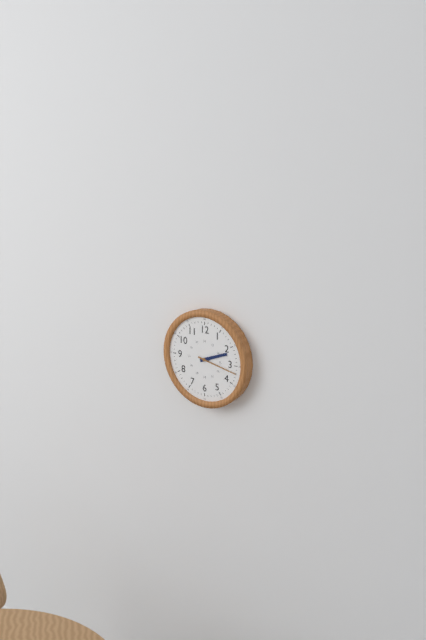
2:17
